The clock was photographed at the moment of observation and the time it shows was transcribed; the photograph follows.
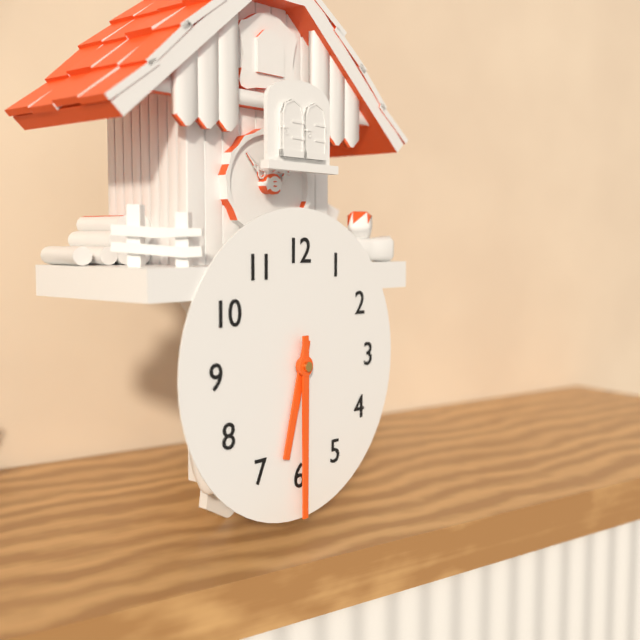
6:30
